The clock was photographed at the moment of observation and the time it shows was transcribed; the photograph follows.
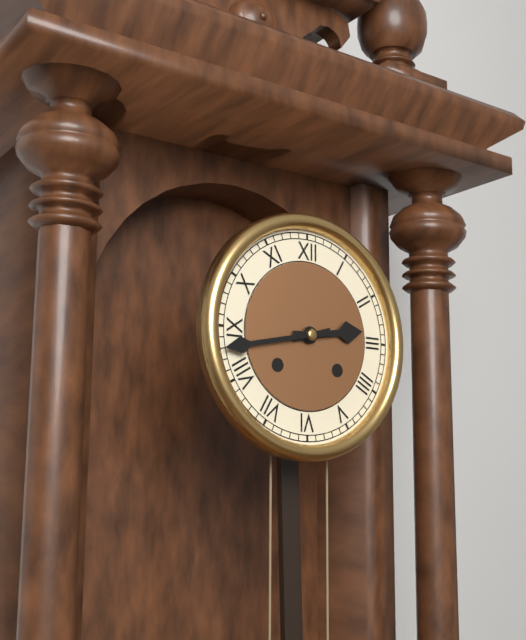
2:43
